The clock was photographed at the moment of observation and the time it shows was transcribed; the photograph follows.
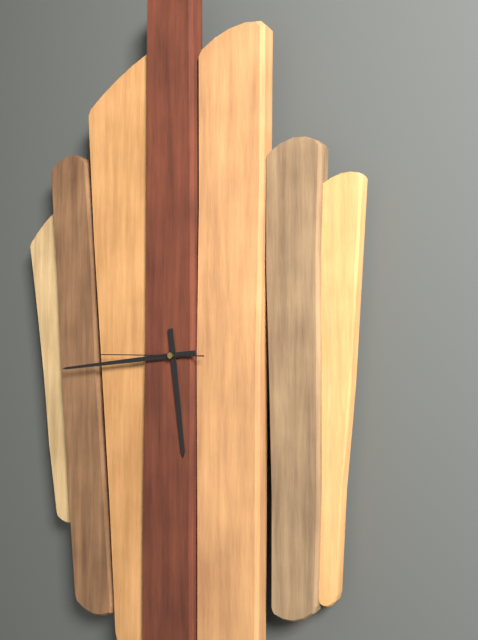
5:44:45
